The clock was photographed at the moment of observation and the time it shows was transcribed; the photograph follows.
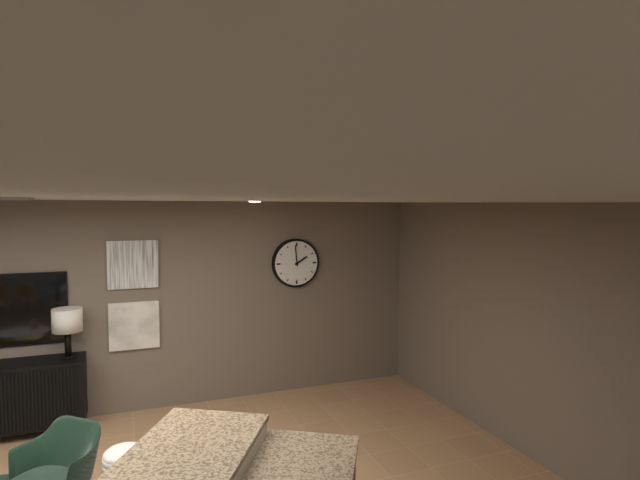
1:59
